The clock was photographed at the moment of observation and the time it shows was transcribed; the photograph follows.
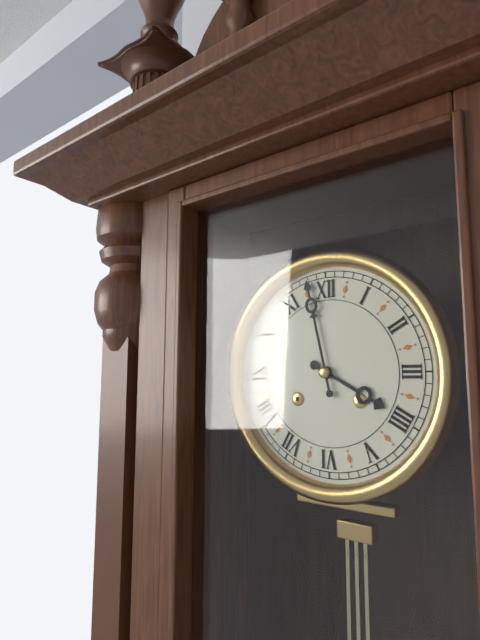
3:58
